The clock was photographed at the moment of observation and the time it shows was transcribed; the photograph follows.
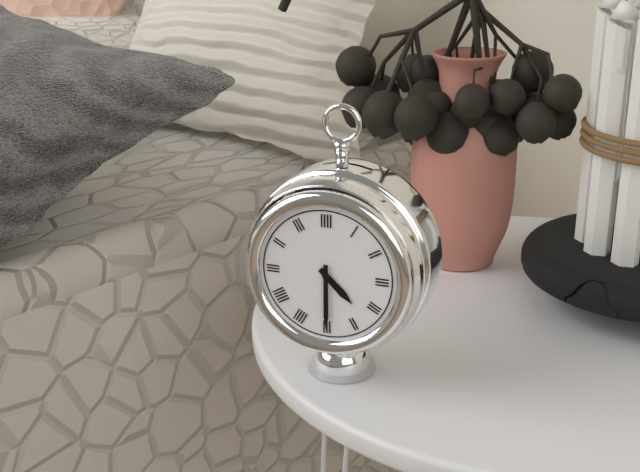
4:30
